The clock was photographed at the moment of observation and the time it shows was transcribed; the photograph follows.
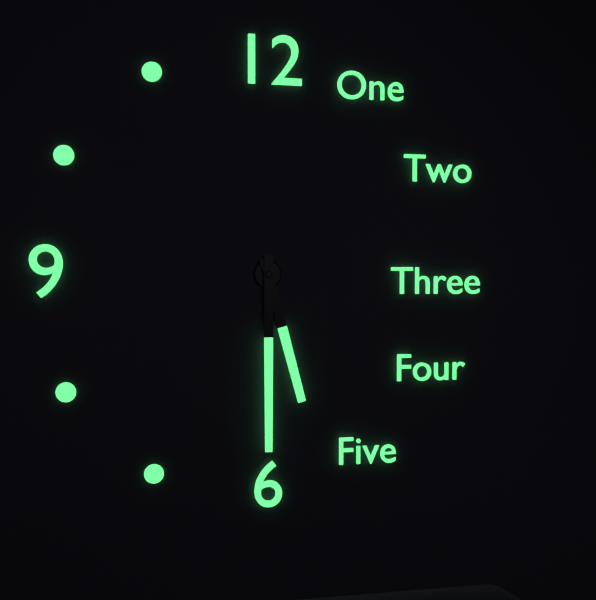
5:30
